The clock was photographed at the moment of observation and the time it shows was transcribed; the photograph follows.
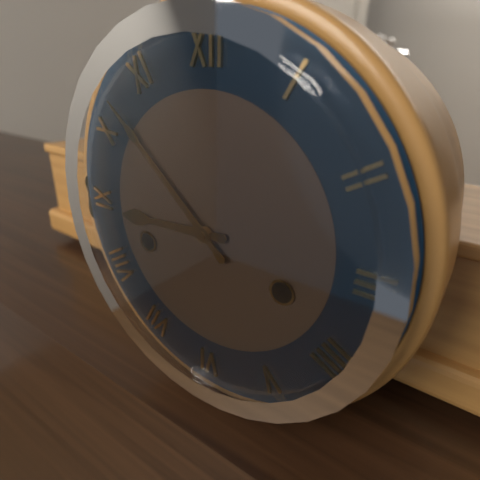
8:52
